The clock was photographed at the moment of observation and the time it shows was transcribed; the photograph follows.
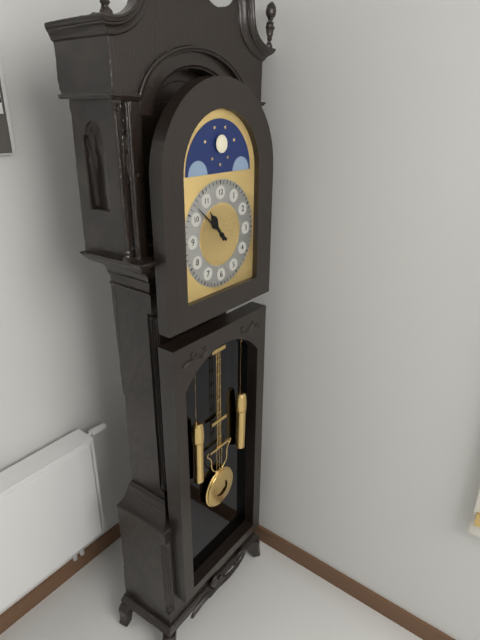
10:52
